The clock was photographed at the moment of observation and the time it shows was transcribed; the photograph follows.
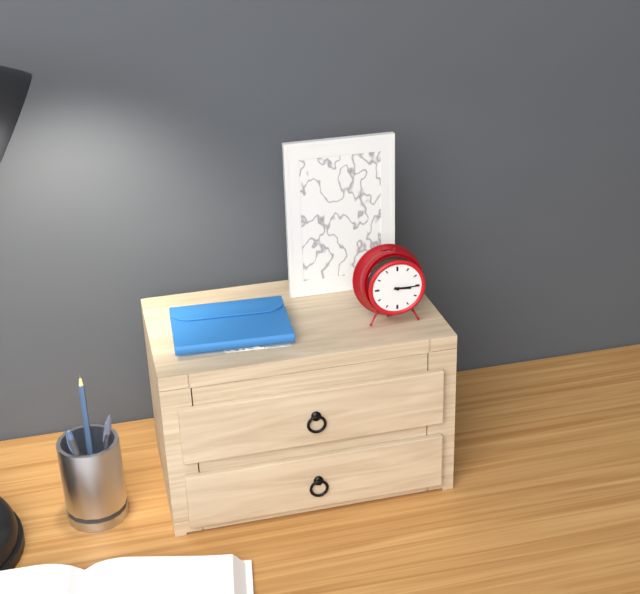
3:15
